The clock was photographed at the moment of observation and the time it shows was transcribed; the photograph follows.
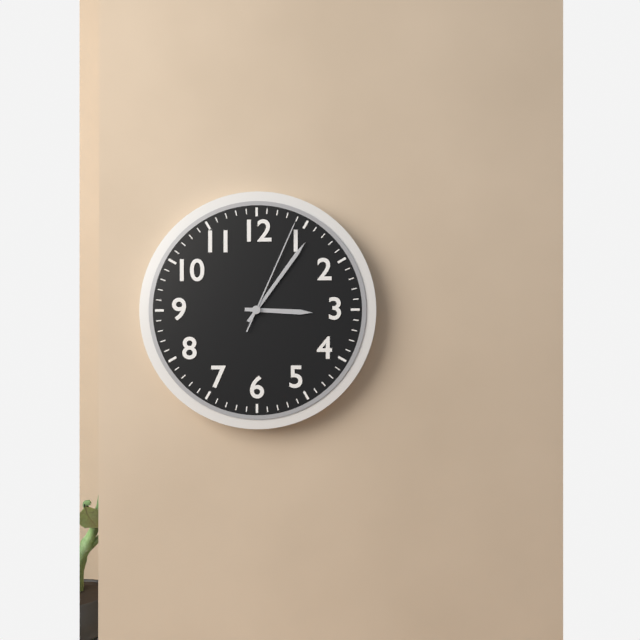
3:06:04
